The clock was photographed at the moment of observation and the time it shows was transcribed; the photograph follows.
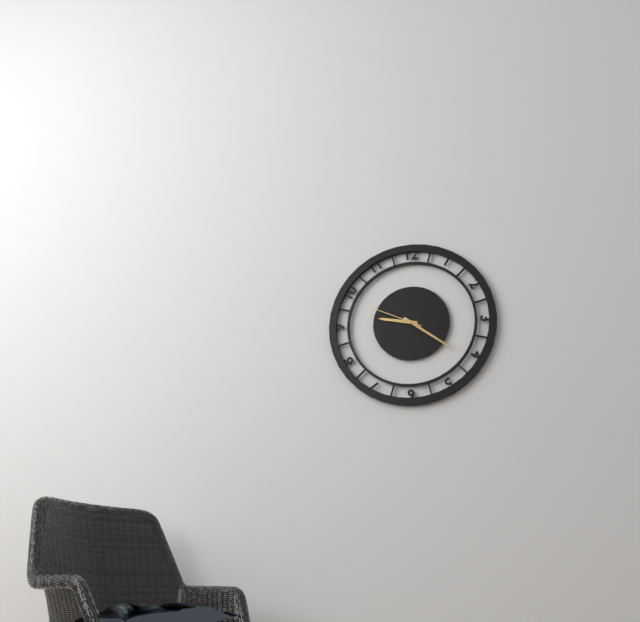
9:21:49
